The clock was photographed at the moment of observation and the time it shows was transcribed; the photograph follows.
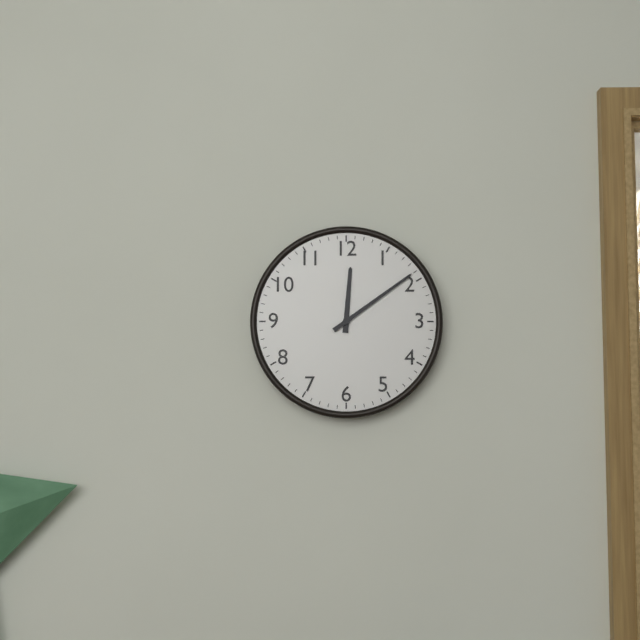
12:09
